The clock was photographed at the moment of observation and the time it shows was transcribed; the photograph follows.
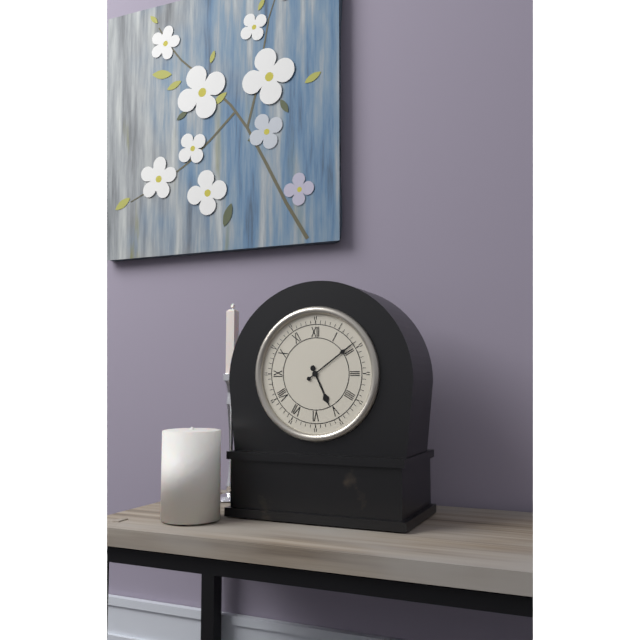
5:09
